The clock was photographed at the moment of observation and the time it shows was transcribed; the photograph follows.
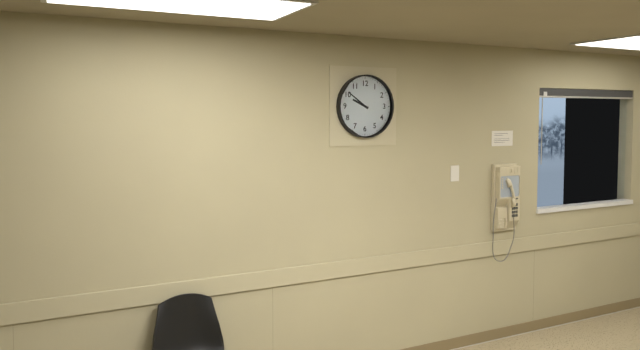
9:51
